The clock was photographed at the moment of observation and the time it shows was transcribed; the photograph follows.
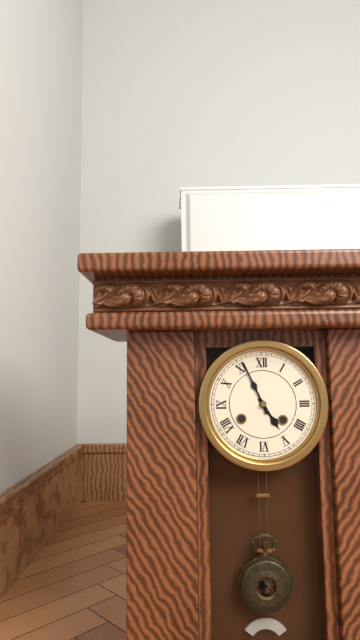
4:56
